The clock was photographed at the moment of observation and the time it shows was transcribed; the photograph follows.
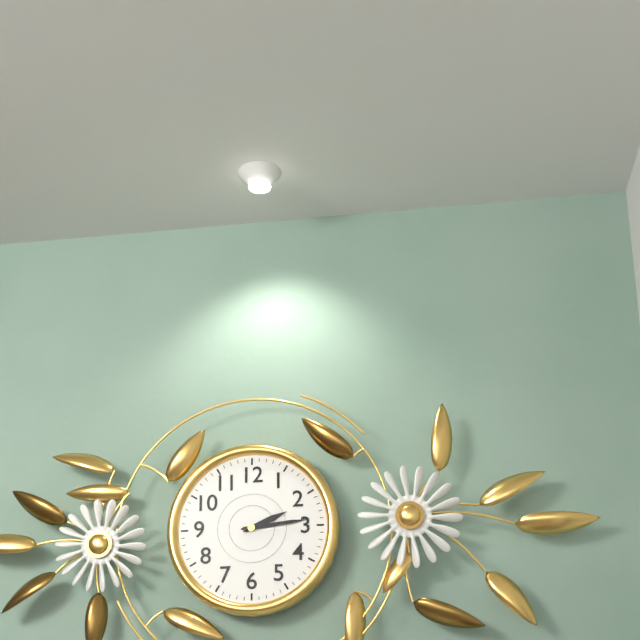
2:14
